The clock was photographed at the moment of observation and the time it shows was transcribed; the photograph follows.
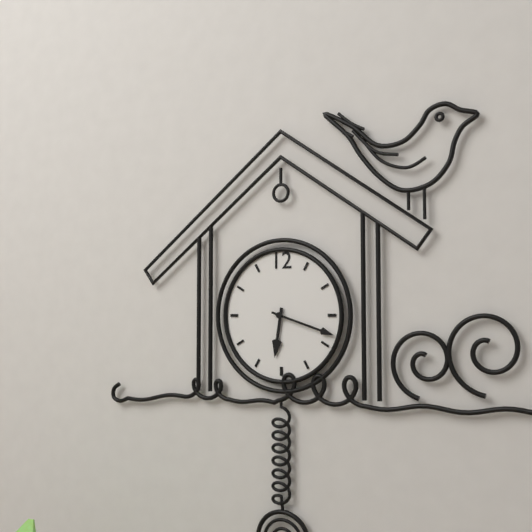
6:18
